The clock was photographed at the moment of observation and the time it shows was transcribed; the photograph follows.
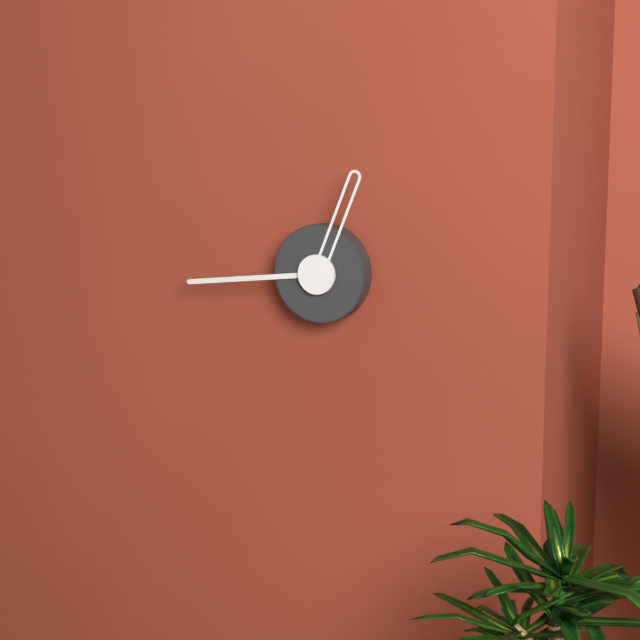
12:44
